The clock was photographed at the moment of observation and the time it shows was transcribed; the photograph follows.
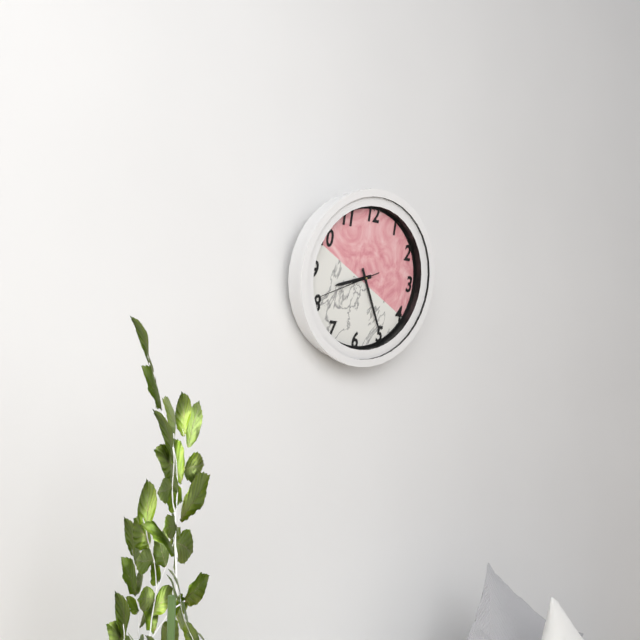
8:25:41
